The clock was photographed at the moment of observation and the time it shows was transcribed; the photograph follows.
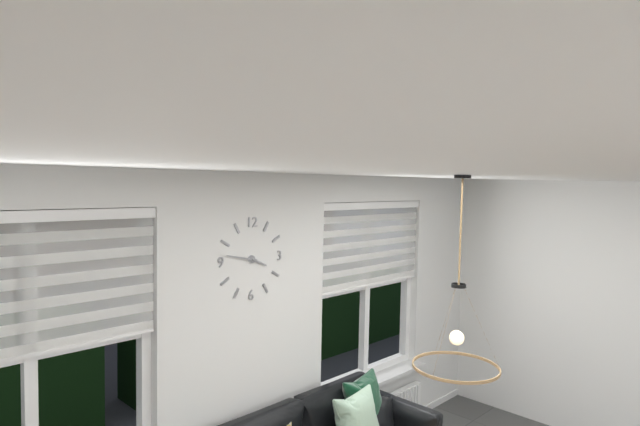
3:47
